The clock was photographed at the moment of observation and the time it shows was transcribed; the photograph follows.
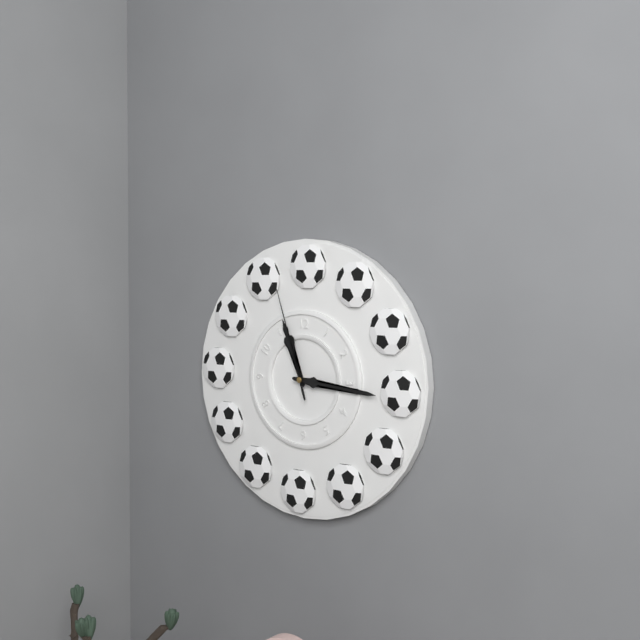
11:16:57
